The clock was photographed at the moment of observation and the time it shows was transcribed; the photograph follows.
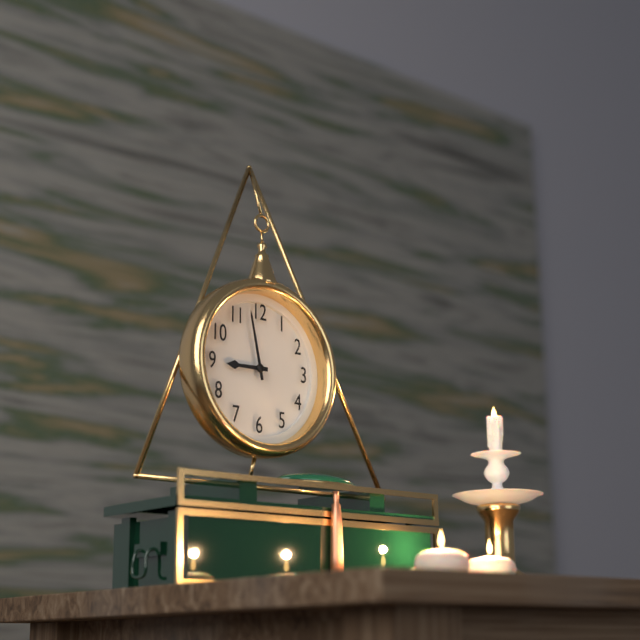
8:58
